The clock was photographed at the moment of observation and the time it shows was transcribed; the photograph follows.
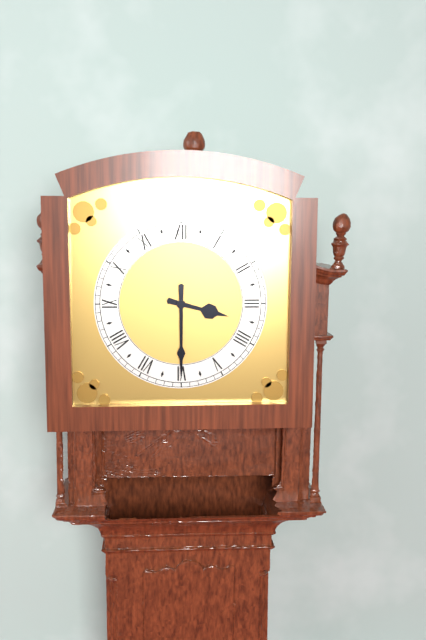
3:30
